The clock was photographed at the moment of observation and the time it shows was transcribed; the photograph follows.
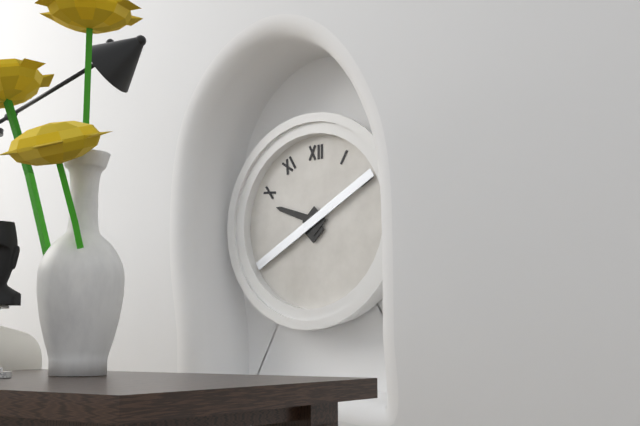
9:40
